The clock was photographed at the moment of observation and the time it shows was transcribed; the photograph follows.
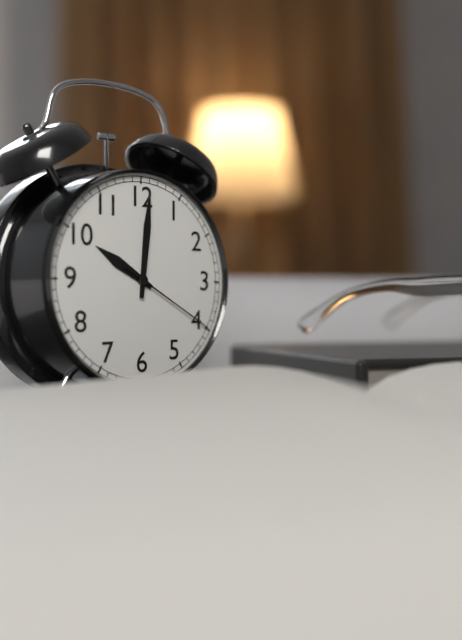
10:01:20
